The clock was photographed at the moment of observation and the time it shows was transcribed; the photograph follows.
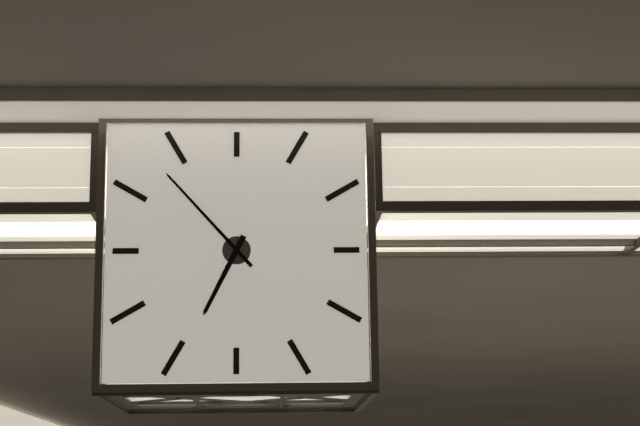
6:53
